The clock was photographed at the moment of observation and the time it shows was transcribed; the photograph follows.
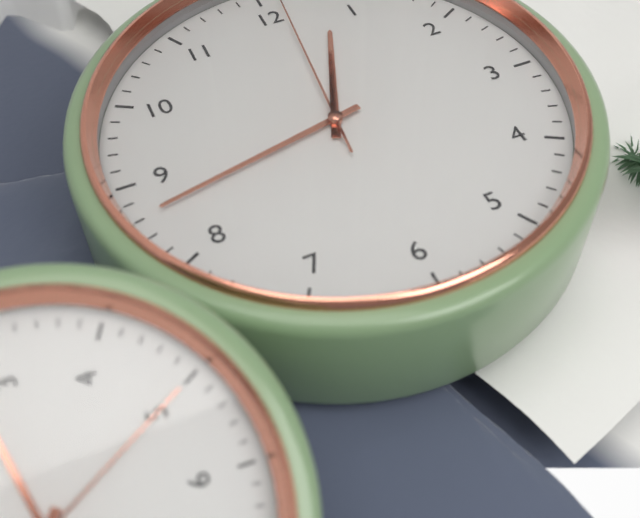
12:43
